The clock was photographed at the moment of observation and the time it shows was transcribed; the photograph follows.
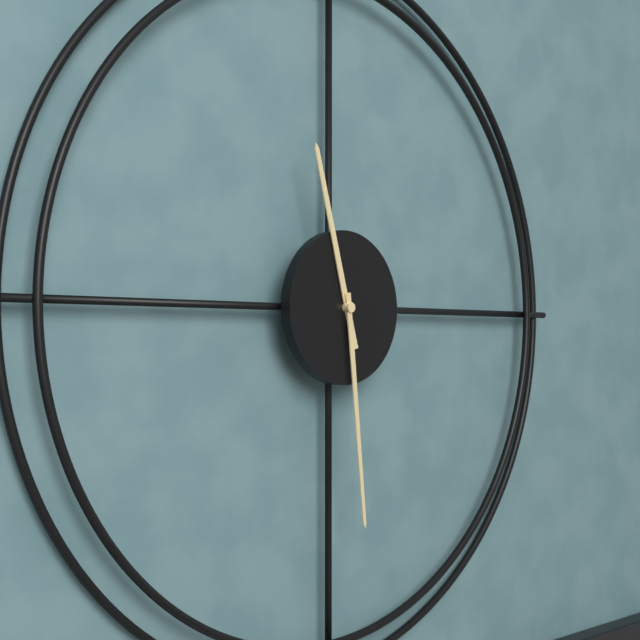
11:29
